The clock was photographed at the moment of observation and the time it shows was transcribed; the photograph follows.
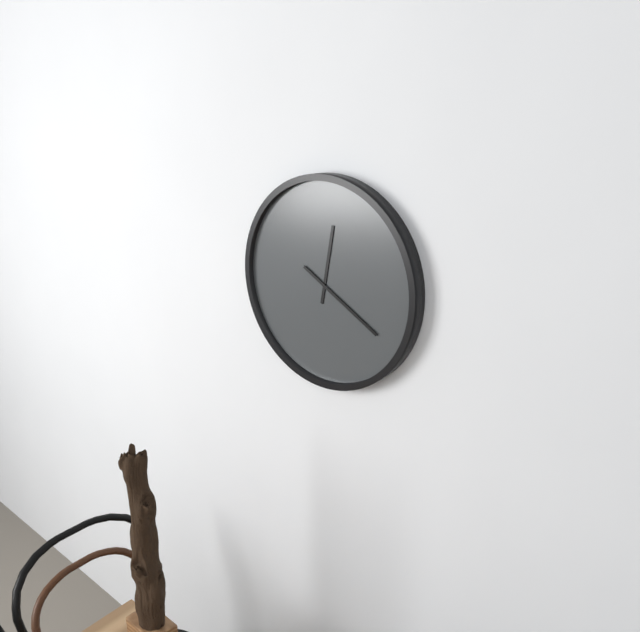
12:20
